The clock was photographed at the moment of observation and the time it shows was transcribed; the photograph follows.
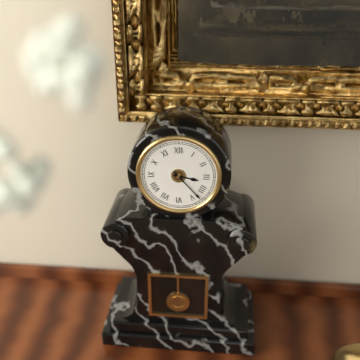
3:23
